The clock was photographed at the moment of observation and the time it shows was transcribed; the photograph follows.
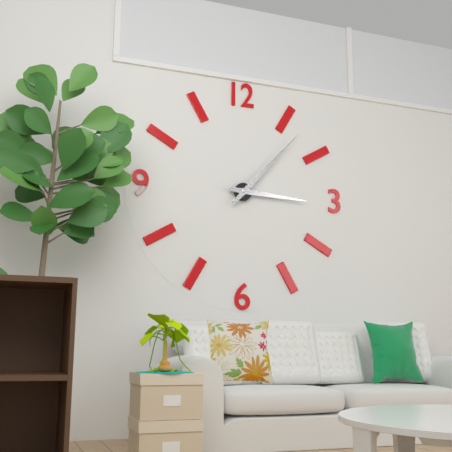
3:07
